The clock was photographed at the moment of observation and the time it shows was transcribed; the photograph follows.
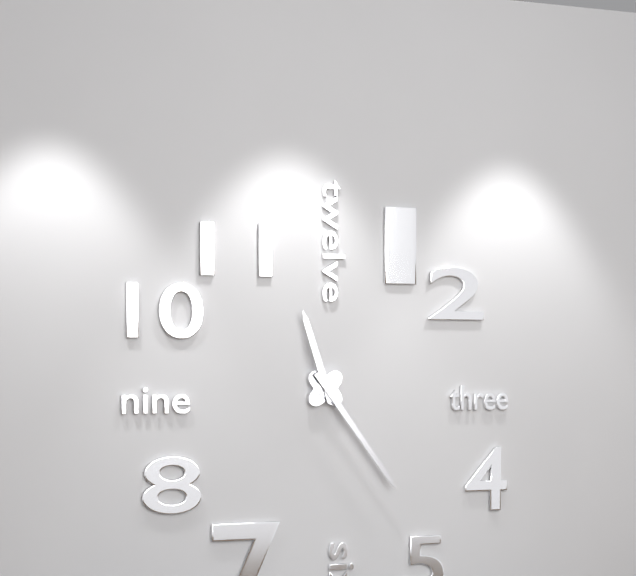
11:24
